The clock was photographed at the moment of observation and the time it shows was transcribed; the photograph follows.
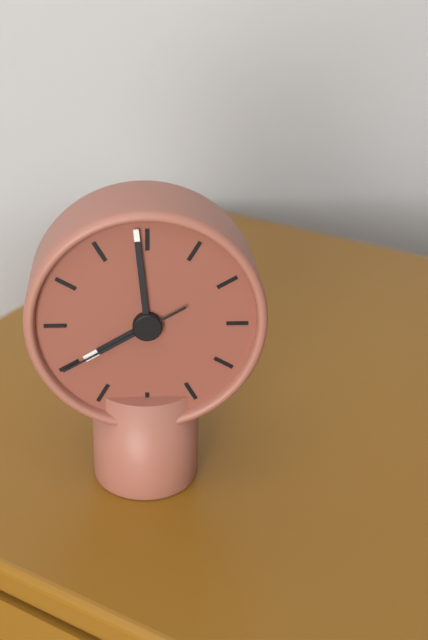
7:59:40
